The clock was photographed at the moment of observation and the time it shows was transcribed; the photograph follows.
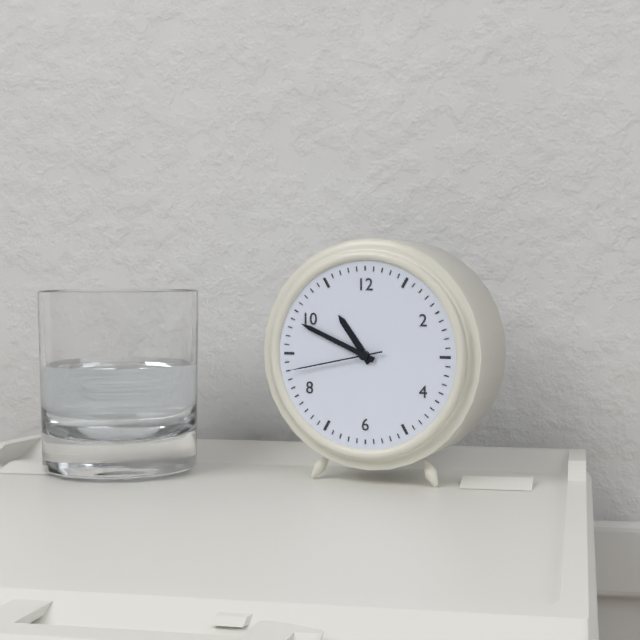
10:49:43
